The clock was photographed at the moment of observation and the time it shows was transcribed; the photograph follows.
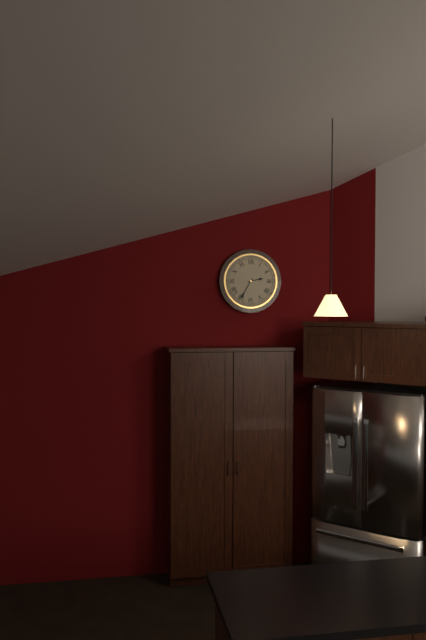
2:35
